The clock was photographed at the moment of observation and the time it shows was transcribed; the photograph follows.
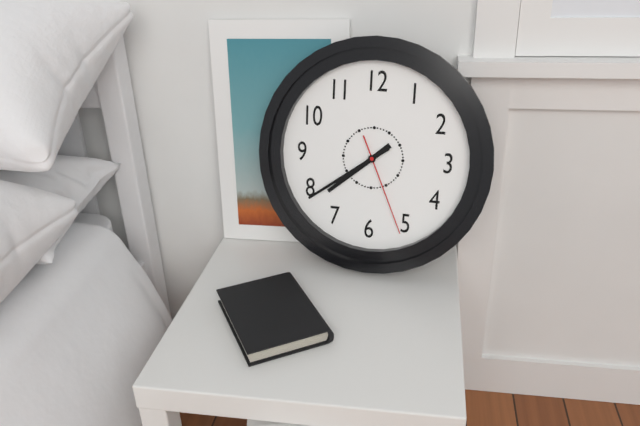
7:39:26
